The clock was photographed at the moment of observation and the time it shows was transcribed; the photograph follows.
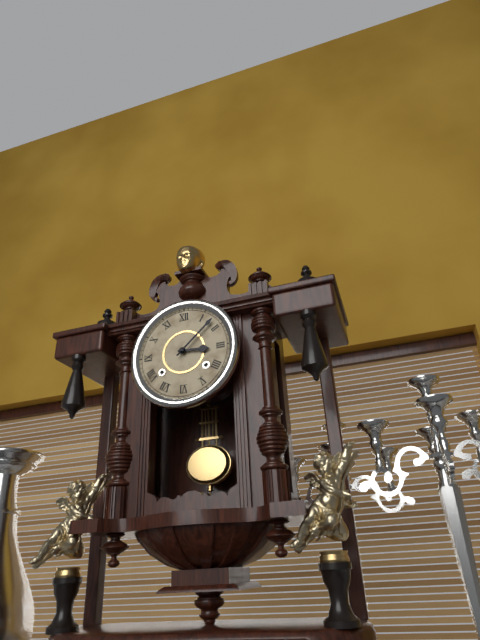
3:08
